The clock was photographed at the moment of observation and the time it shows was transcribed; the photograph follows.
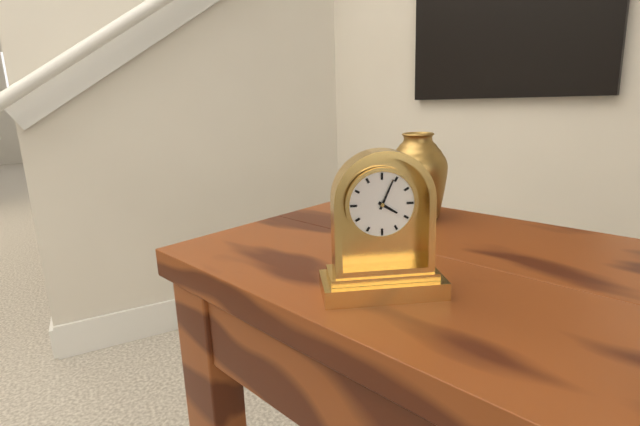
4:04
